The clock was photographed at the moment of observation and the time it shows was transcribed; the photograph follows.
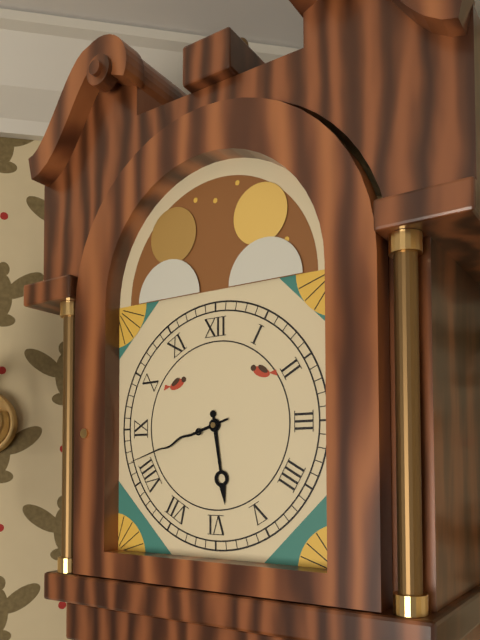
5:42
